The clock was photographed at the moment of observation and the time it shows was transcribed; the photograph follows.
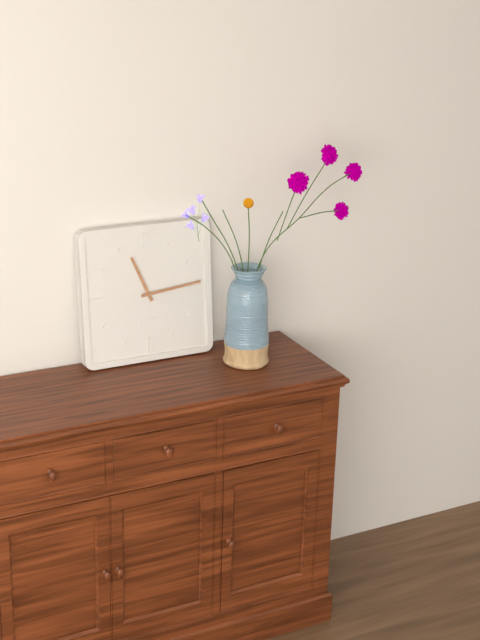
11:14
